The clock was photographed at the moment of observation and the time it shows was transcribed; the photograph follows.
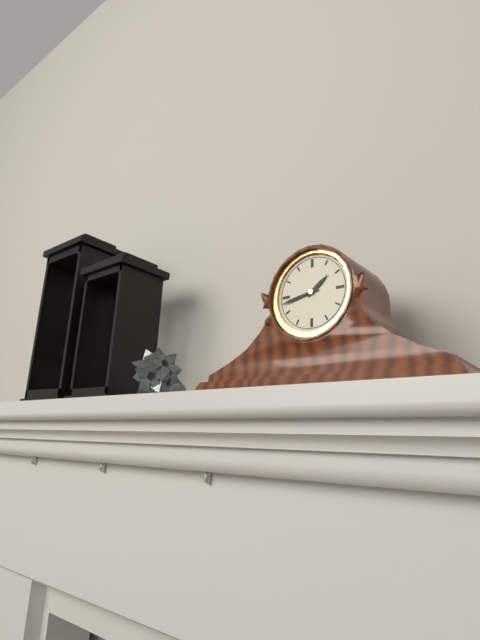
1:43
